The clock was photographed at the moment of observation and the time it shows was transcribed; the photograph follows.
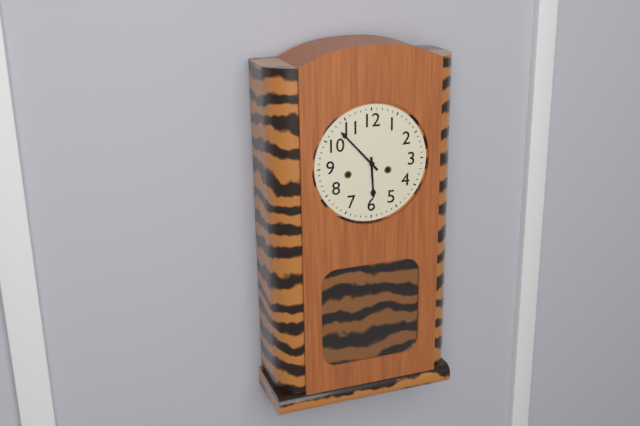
5:53
